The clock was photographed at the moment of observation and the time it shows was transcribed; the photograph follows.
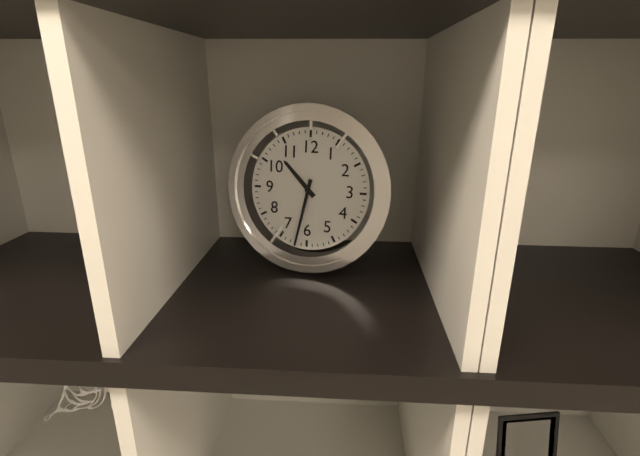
10:32
